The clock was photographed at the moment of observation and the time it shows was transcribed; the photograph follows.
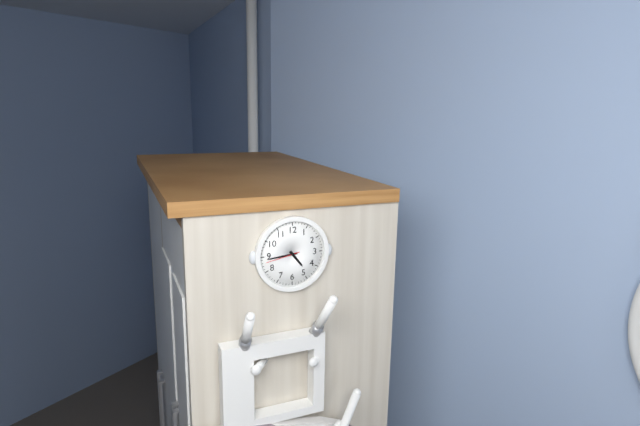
4:44
